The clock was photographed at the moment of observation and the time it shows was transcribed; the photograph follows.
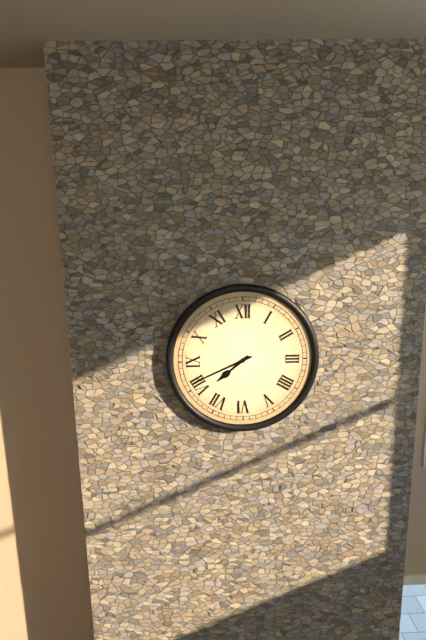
7:41
